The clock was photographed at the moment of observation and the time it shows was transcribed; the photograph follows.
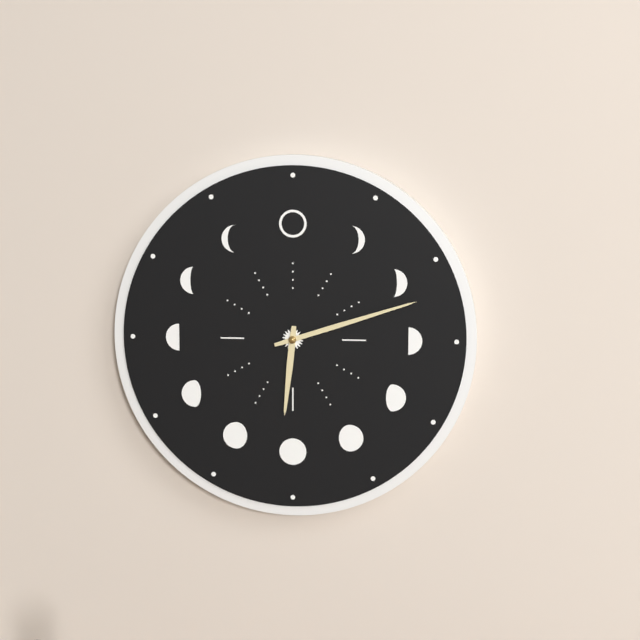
6:12
